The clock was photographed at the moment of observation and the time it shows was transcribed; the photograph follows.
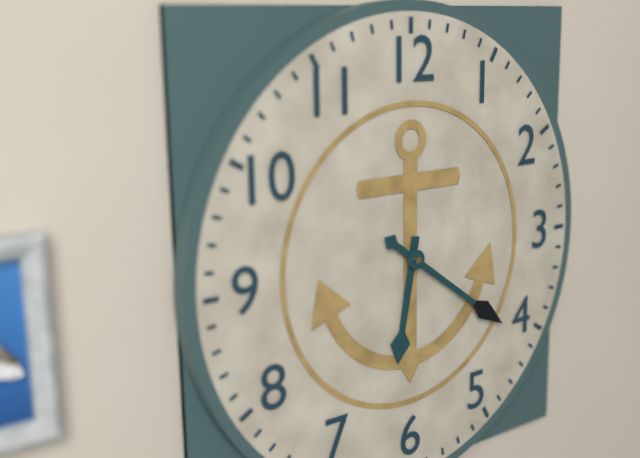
6:21
